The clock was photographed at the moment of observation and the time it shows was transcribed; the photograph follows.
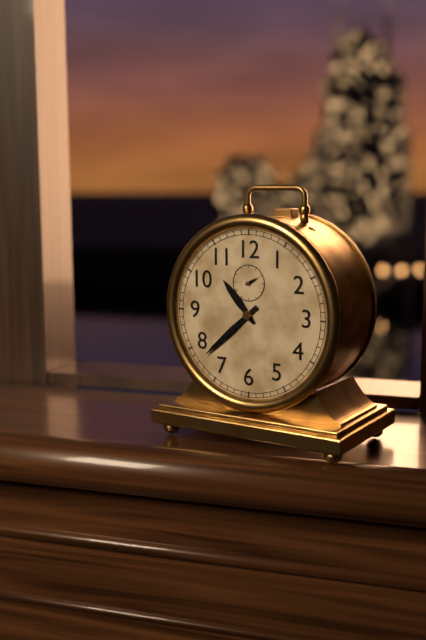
10:38
